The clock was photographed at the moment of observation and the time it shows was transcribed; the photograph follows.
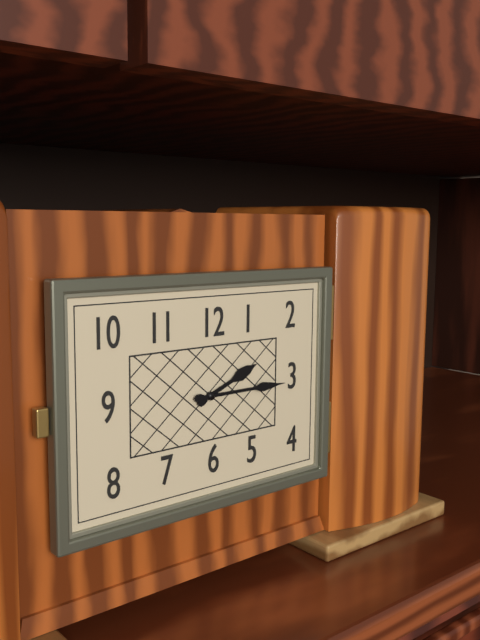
2:15
